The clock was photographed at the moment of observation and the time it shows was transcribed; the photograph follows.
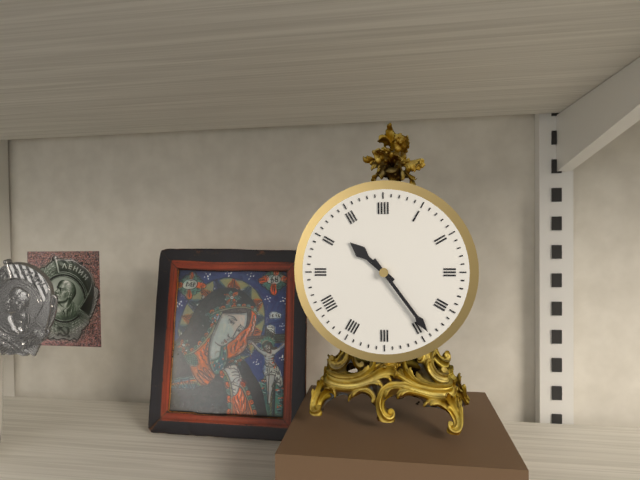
10:24
